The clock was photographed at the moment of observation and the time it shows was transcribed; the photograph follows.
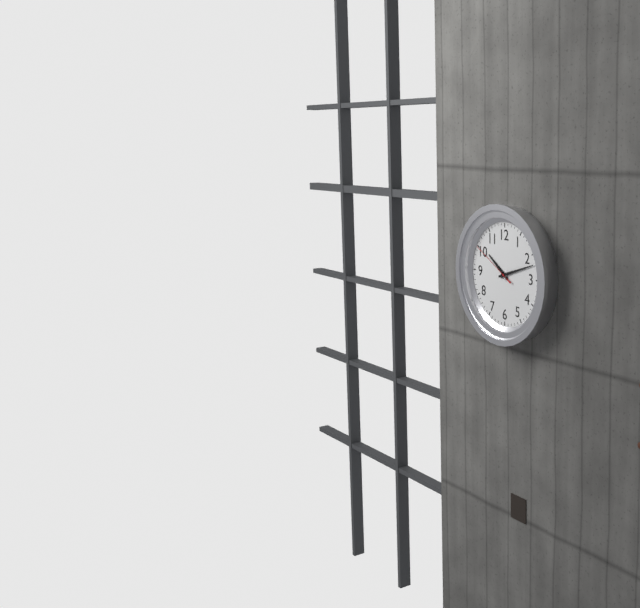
10:12:50
